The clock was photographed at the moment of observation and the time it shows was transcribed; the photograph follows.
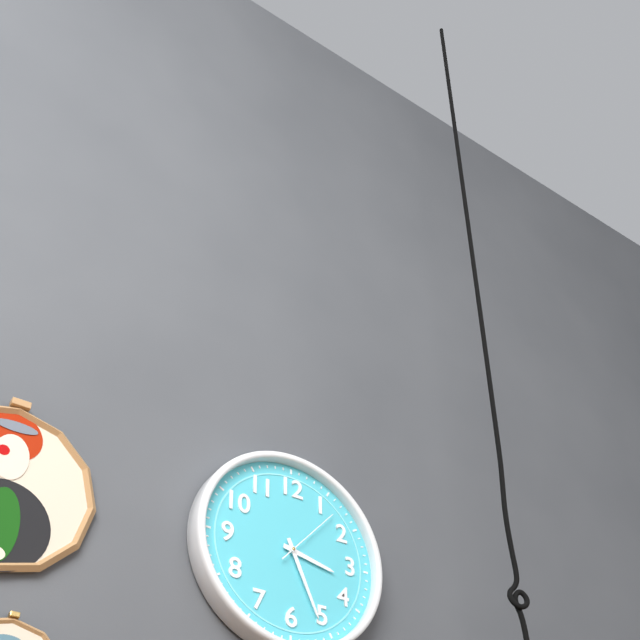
3:26:07
